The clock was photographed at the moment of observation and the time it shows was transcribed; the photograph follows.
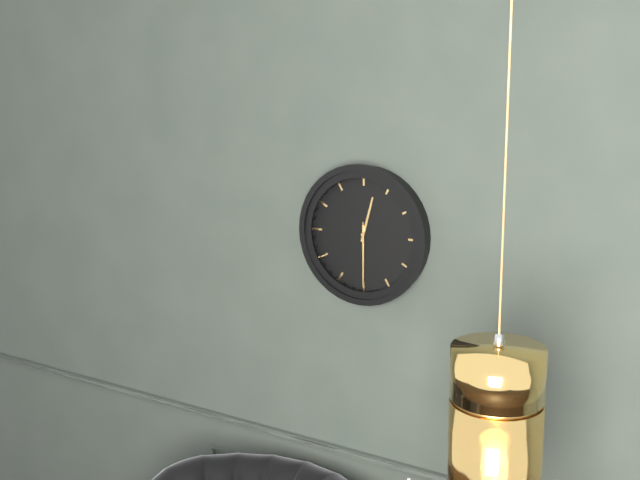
12:30:30
